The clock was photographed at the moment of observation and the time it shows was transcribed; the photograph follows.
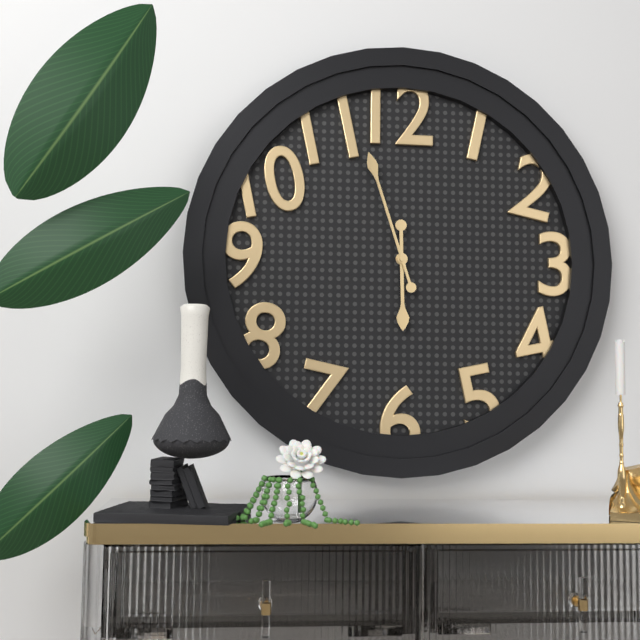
5:57
